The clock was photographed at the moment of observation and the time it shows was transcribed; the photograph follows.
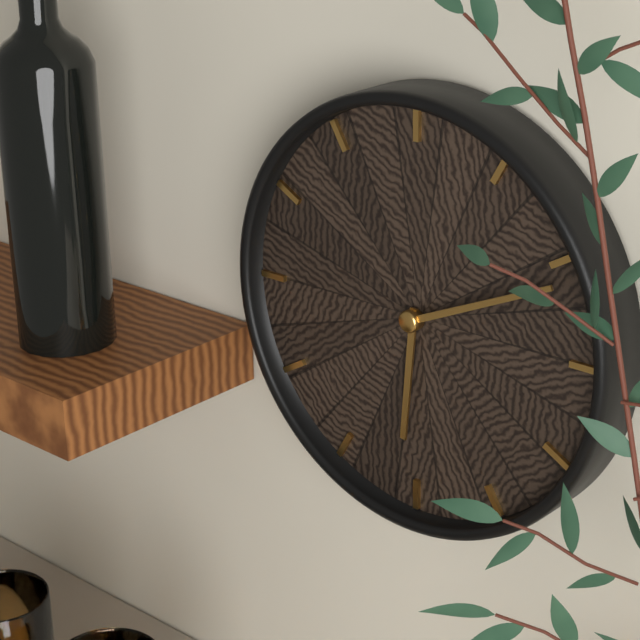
6:11
